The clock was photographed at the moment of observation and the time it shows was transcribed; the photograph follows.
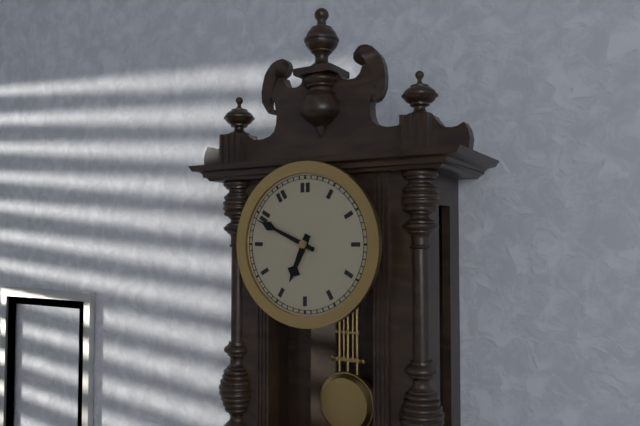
6:49
